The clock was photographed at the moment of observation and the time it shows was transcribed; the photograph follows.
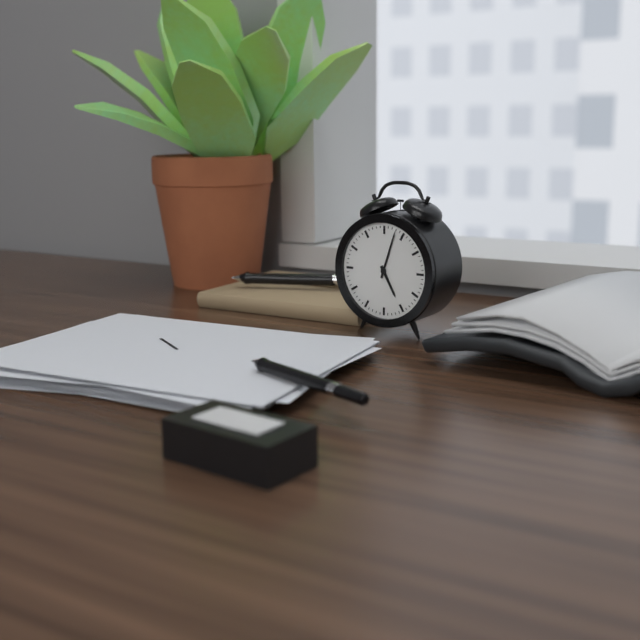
5:03
